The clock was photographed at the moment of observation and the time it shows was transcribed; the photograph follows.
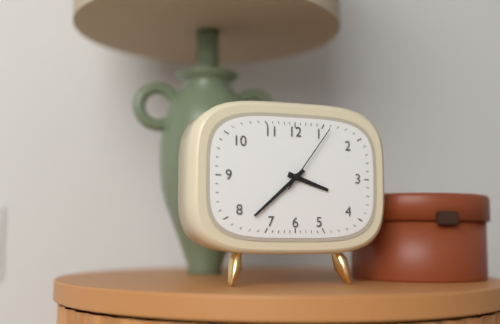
3:38:06
